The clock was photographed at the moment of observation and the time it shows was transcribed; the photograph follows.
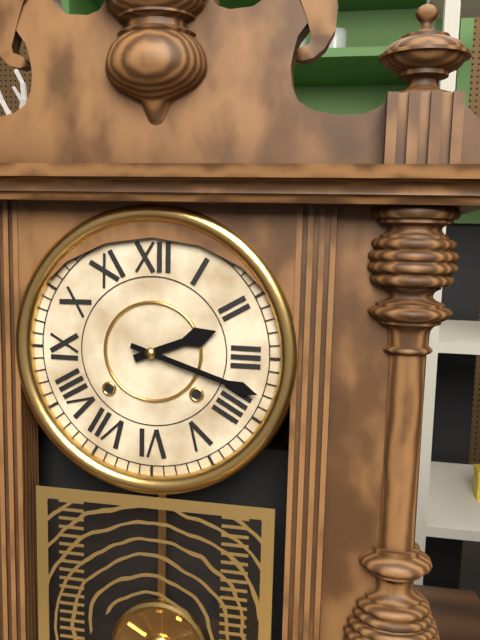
2:18
